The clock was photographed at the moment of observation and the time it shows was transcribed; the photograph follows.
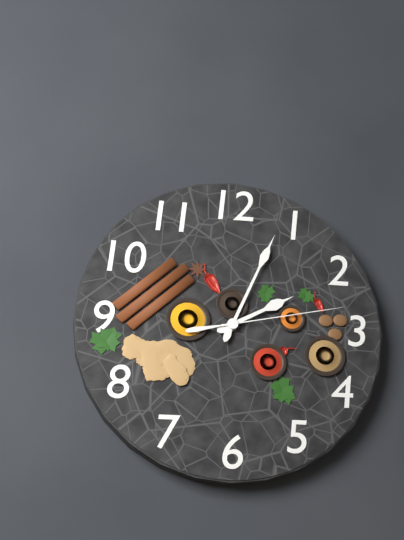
2:04:13
